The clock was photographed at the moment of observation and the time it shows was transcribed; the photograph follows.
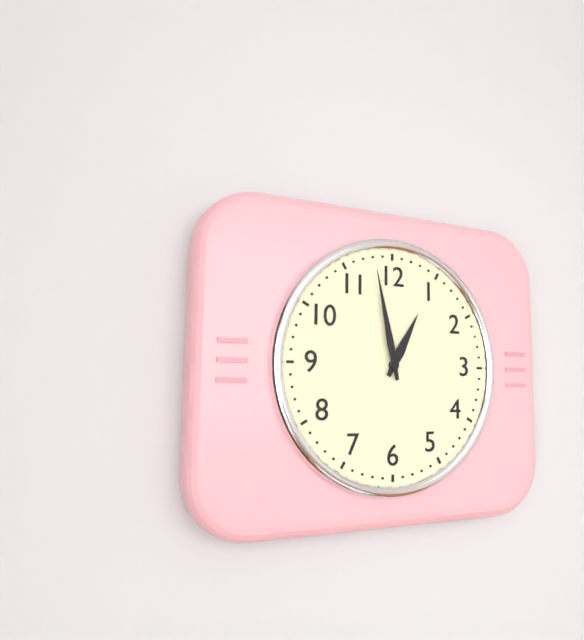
12:58
